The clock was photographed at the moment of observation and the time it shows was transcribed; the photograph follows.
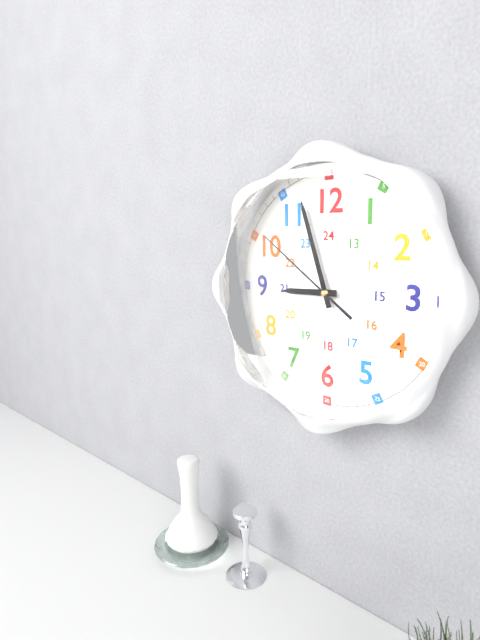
8:57:51
